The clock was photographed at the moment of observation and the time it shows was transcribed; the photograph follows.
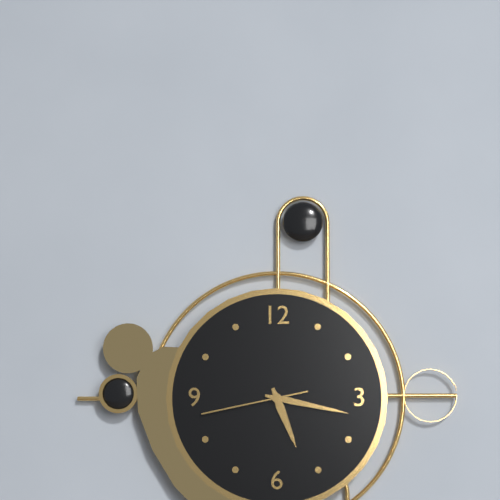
5:17:43
